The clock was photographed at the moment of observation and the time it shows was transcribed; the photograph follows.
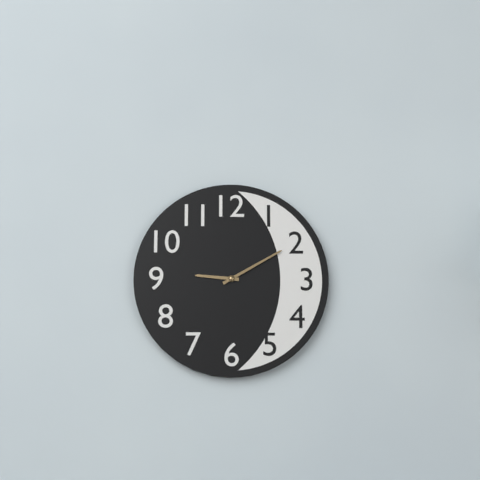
9:10
